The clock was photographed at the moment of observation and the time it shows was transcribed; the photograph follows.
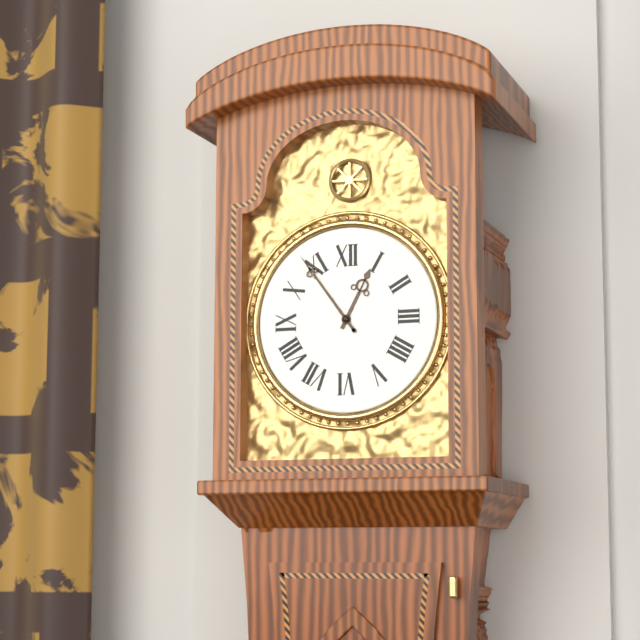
12:54
